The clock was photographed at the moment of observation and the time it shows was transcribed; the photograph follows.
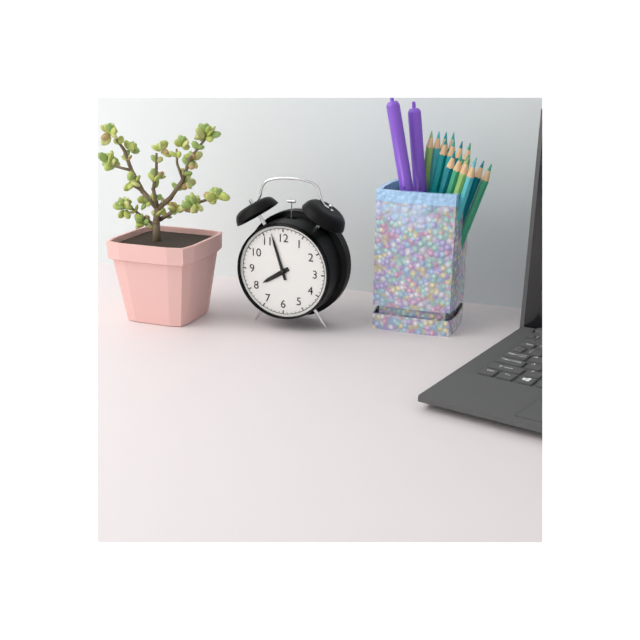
7:57
